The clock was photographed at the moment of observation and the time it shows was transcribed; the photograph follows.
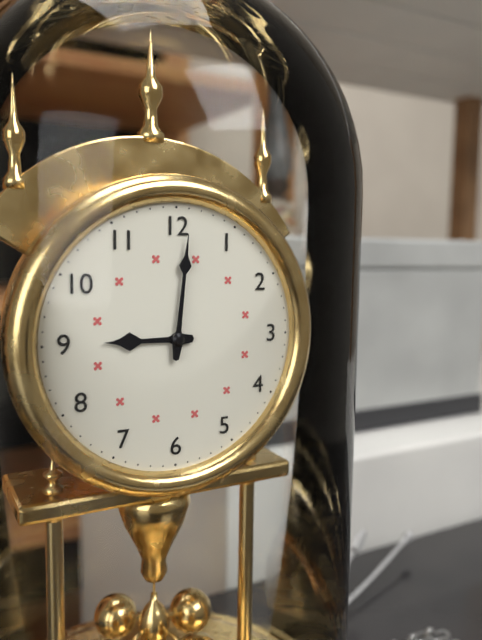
9:01
